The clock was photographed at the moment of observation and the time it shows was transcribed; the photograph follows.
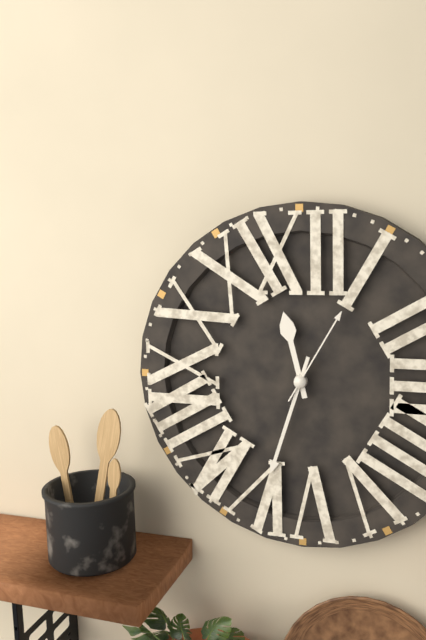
11:33:05
